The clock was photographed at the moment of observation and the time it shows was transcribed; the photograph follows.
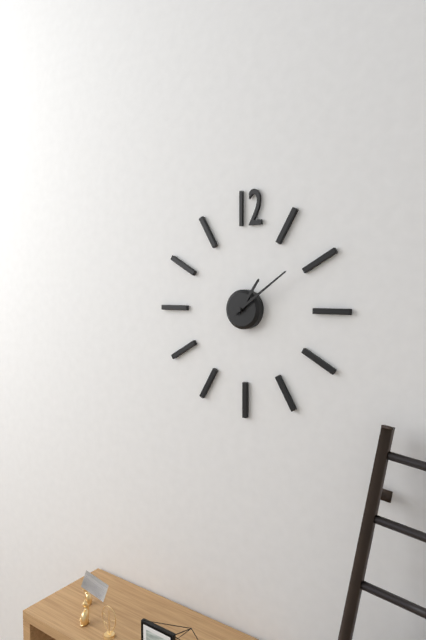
1:09
